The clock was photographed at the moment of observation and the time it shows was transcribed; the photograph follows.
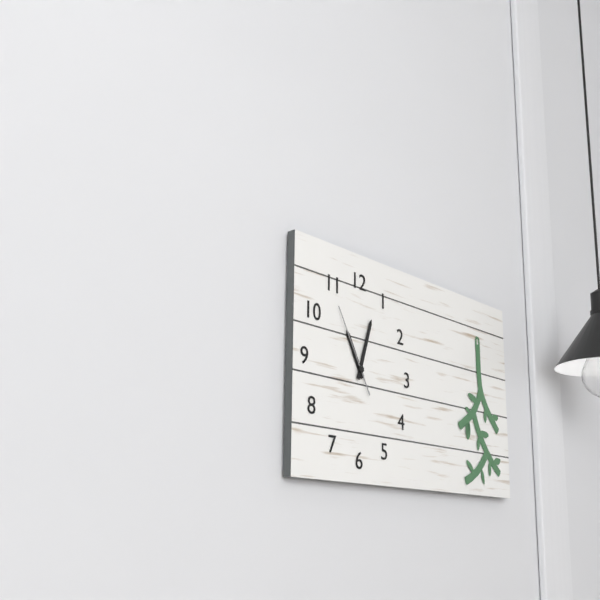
11:03:55
